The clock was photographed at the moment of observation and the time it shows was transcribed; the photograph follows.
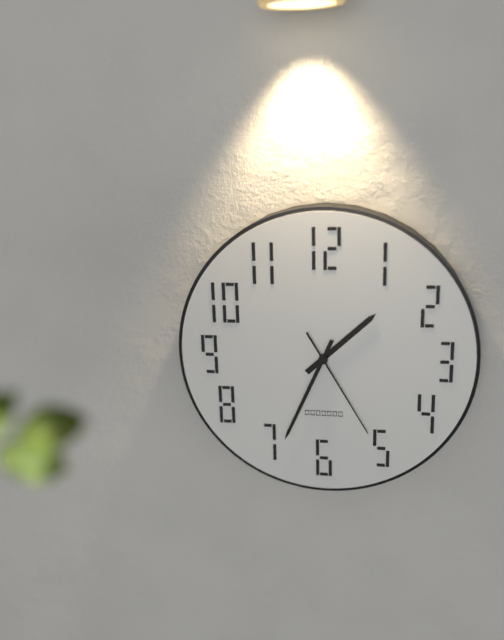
1:34:25
